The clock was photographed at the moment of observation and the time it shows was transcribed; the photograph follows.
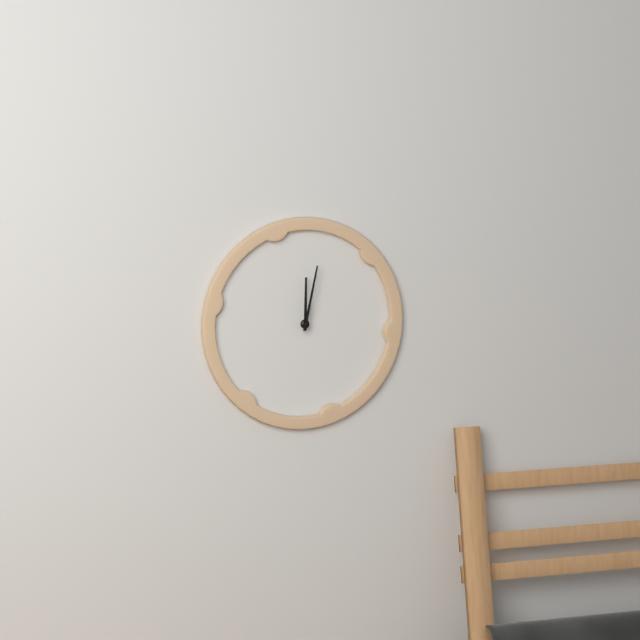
12:02
